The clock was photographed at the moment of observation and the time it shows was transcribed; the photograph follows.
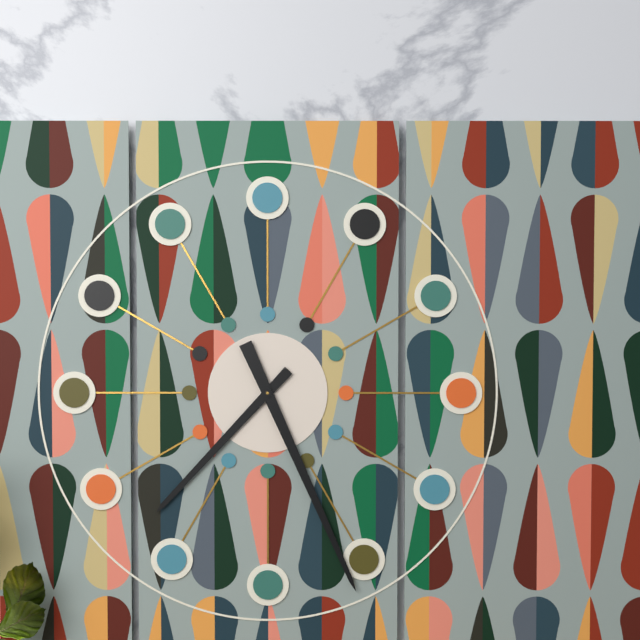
7:26
